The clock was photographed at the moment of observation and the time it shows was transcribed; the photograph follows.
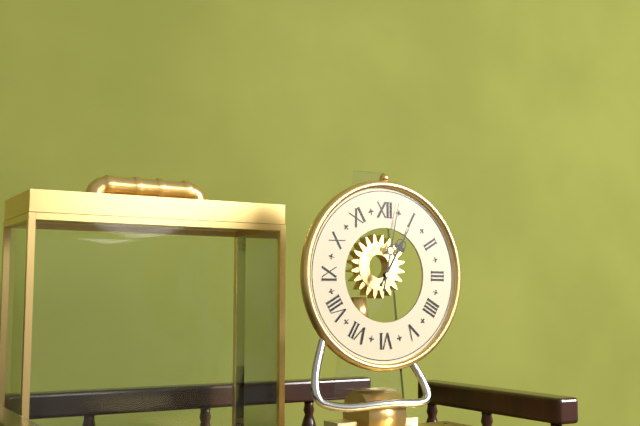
1:02
